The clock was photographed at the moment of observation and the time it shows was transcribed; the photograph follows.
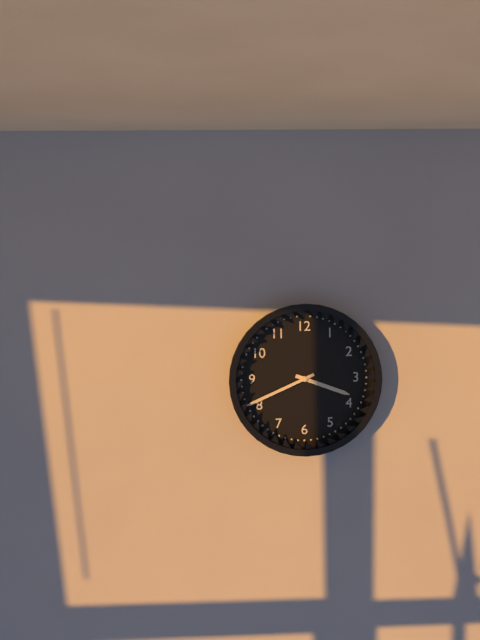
3:41
